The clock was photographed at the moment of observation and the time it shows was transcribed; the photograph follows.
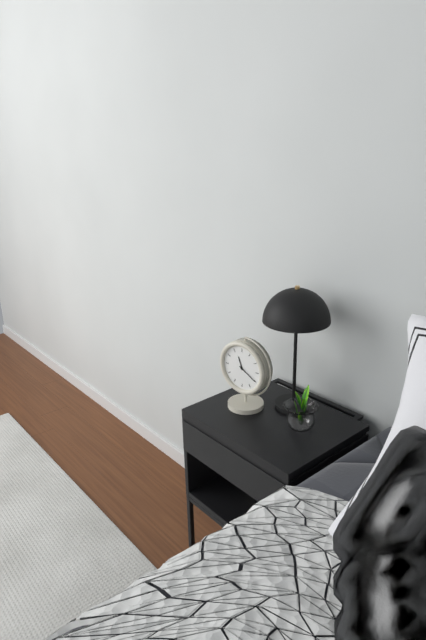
11:20
